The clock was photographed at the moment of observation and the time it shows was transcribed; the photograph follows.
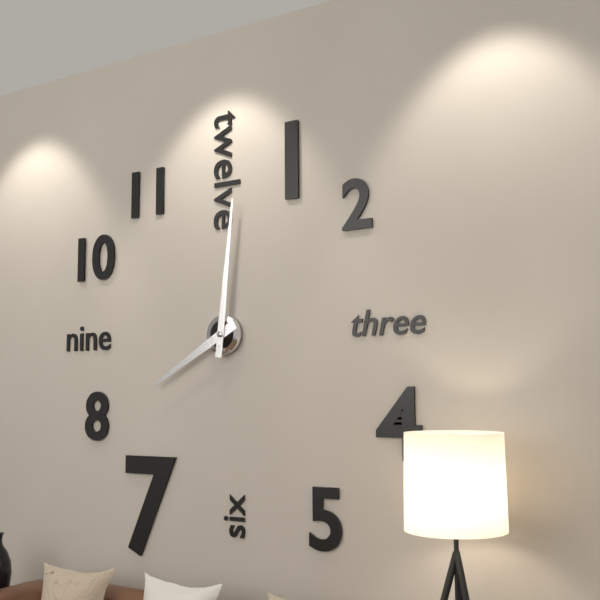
8:01
